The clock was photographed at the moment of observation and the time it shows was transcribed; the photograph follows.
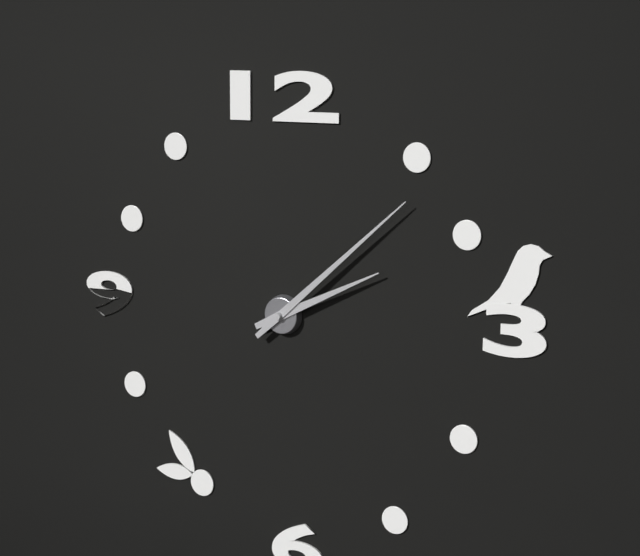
2:08
